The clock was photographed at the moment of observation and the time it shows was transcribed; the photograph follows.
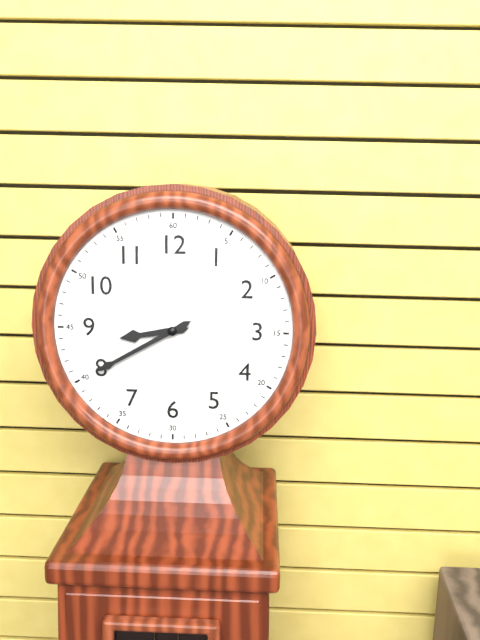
8:40
